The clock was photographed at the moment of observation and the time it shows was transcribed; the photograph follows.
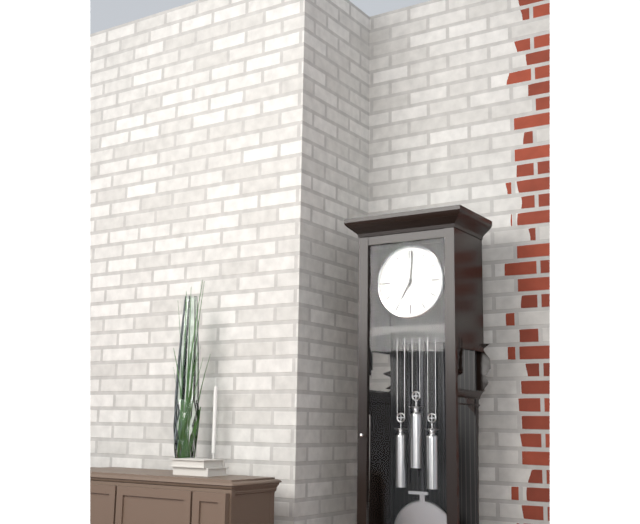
7:01
